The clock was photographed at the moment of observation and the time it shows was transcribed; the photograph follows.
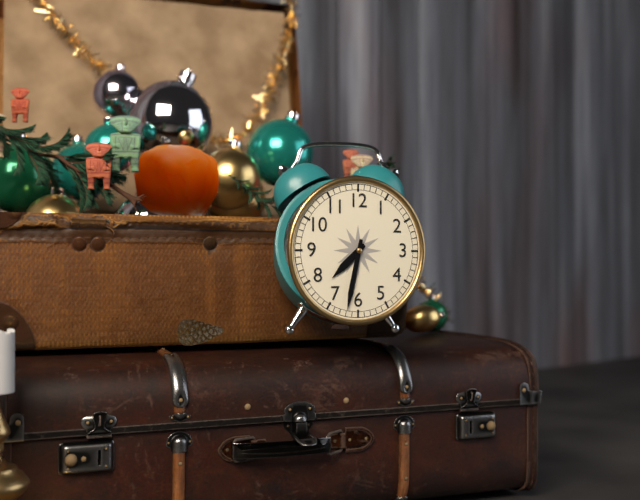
7:32
